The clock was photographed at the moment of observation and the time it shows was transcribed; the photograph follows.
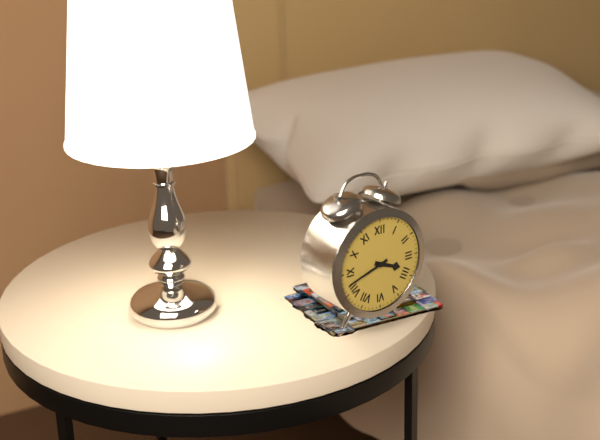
3:42
